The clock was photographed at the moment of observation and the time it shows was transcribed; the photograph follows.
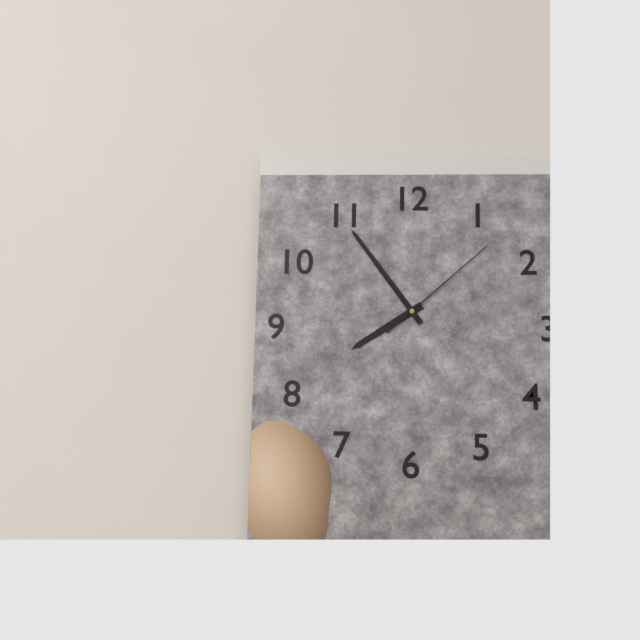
7:54:08
